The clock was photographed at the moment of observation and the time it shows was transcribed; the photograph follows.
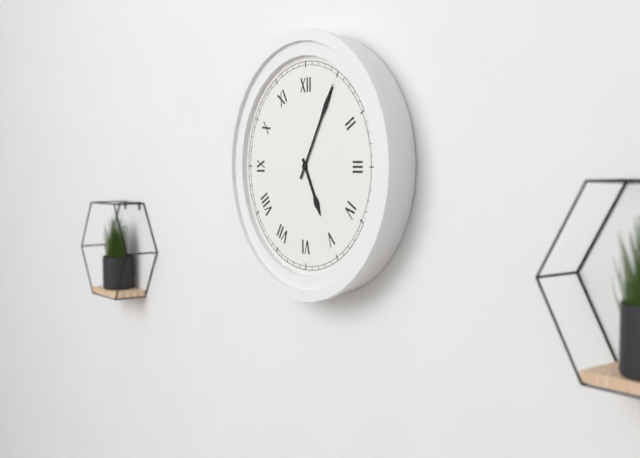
5:05
